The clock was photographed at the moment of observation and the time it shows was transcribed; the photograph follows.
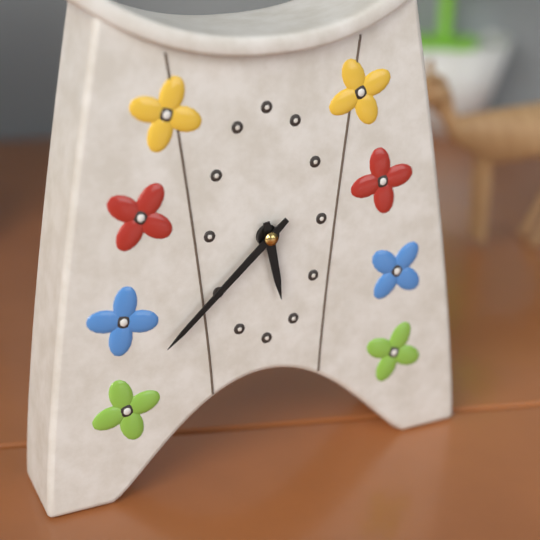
5:38
